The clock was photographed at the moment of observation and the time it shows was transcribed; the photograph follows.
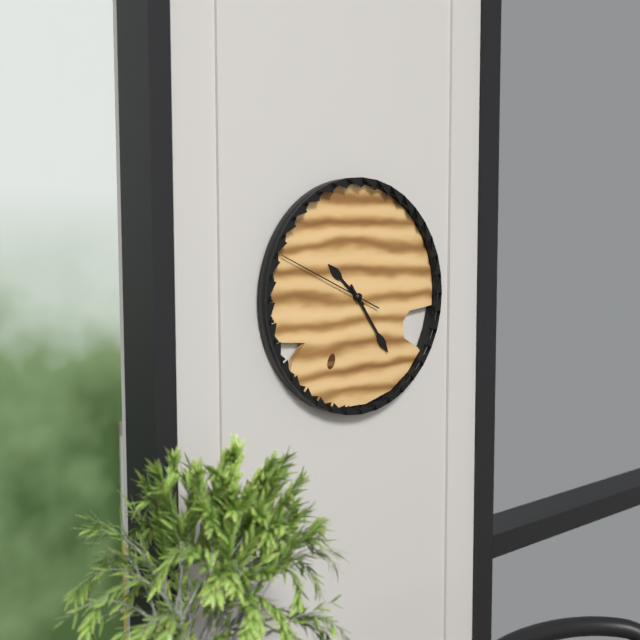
10:24:49
